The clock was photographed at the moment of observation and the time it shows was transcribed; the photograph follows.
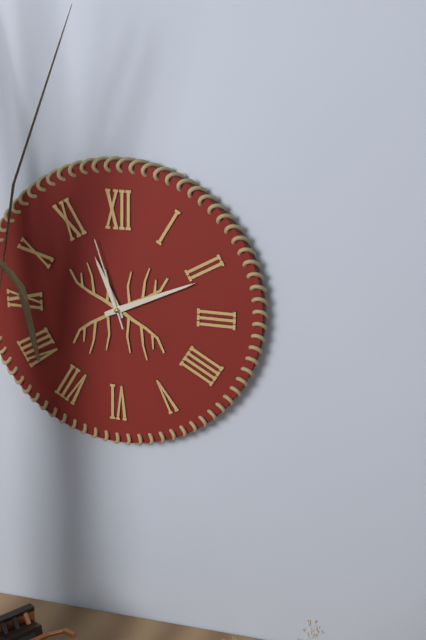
11:11:57
